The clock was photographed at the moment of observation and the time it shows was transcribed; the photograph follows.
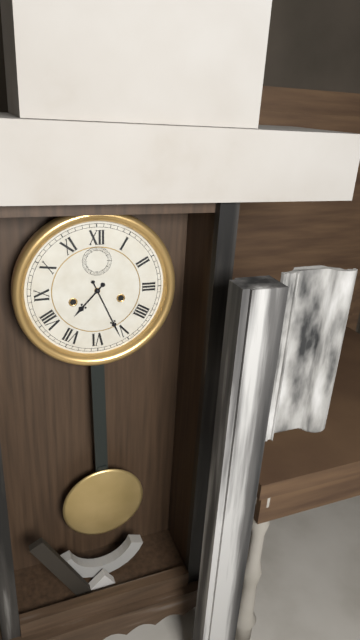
7:26
